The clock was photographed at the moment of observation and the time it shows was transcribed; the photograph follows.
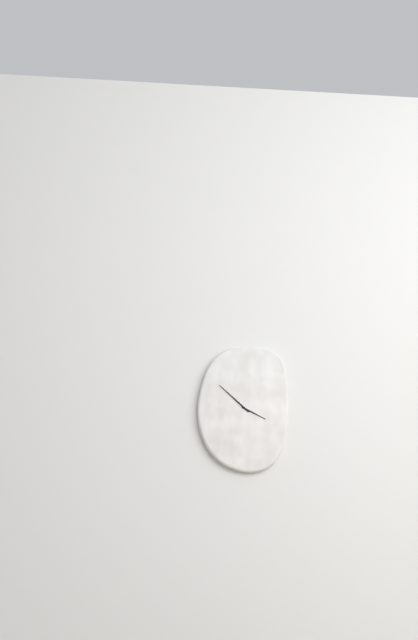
3:52
